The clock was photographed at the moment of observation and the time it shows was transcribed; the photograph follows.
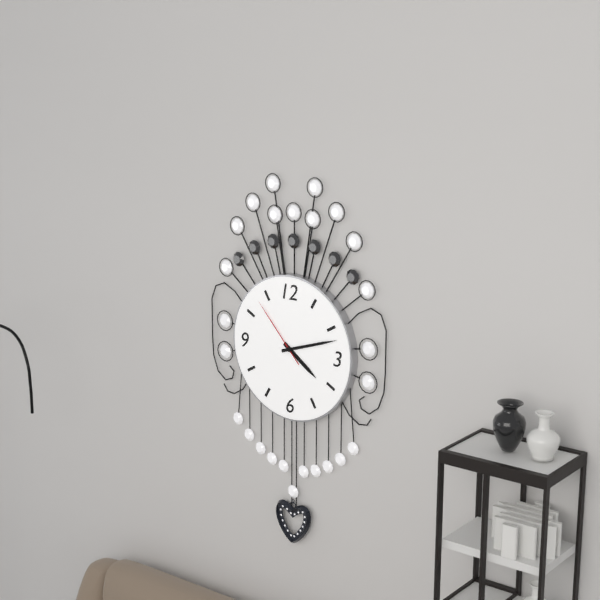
4:12:53
